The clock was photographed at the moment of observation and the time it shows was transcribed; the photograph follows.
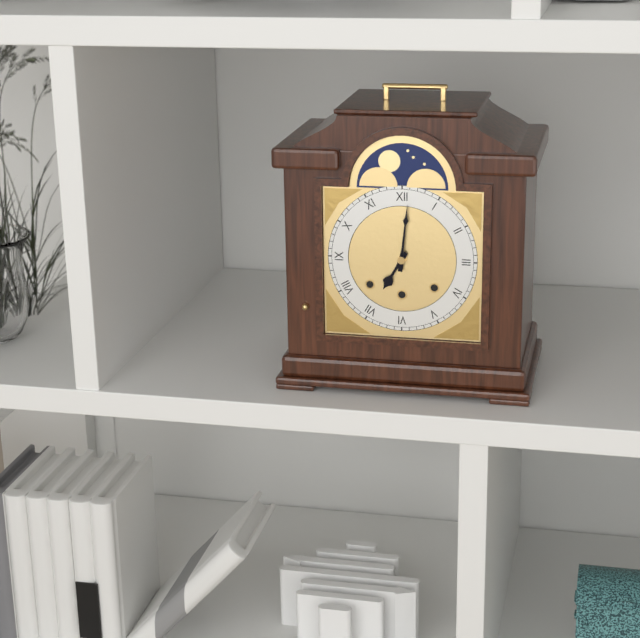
7:01
